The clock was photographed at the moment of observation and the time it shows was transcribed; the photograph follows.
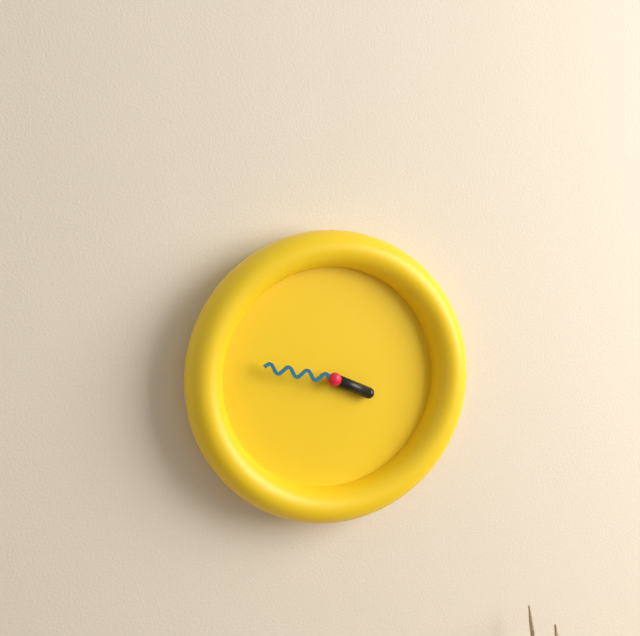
3:47
